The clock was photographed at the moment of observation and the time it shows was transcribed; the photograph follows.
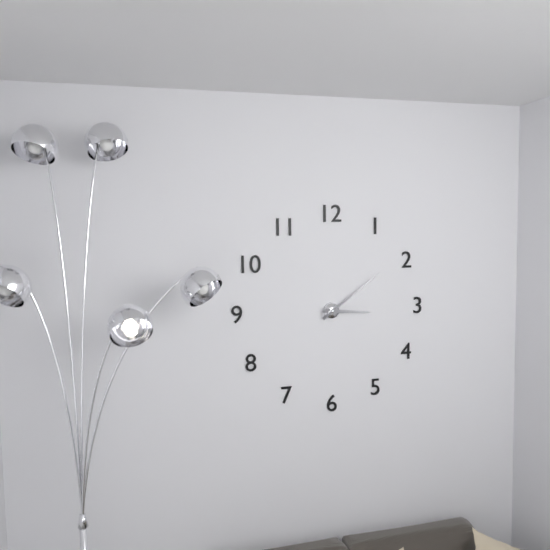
3:09
